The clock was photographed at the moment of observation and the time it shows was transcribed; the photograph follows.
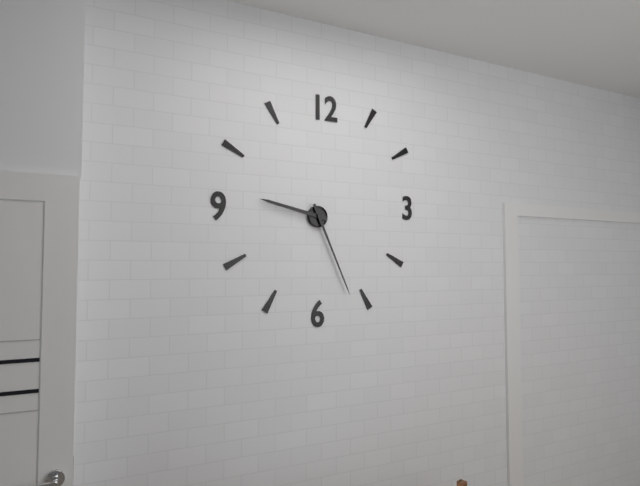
9:26
